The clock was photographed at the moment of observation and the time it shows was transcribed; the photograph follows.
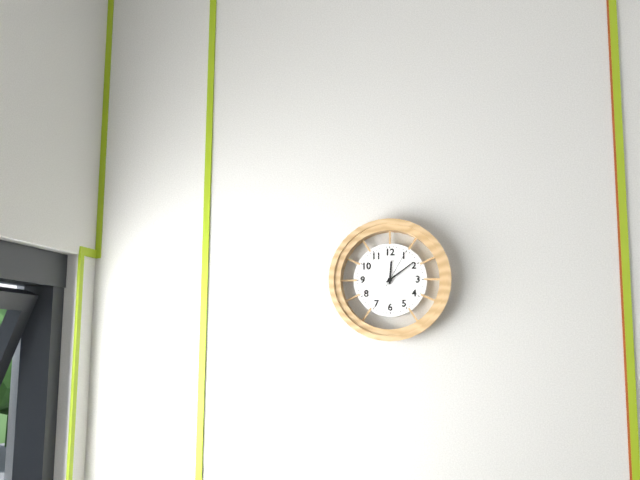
12:09
